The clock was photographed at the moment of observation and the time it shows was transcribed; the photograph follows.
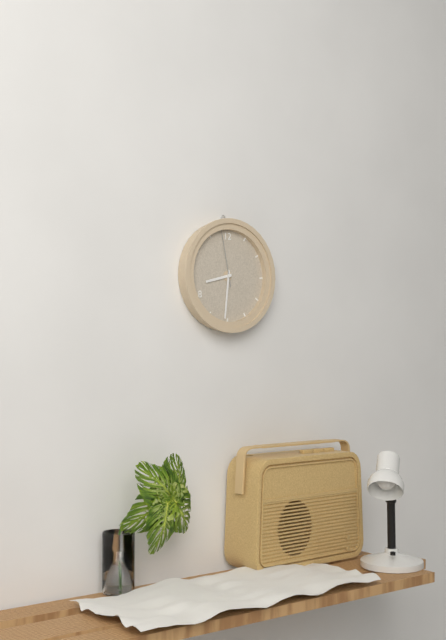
8:31:58
